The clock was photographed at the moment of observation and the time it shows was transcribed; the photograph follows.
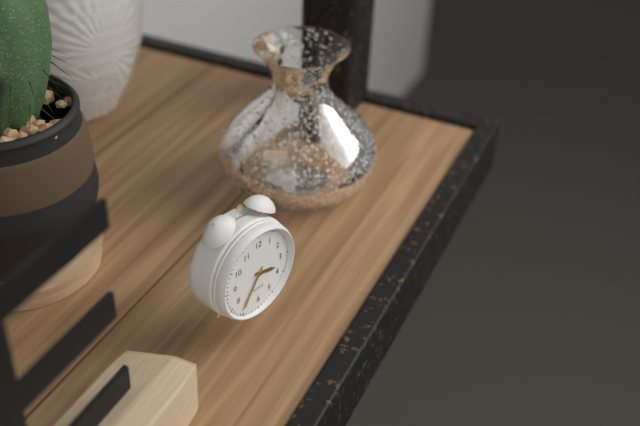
3:36
